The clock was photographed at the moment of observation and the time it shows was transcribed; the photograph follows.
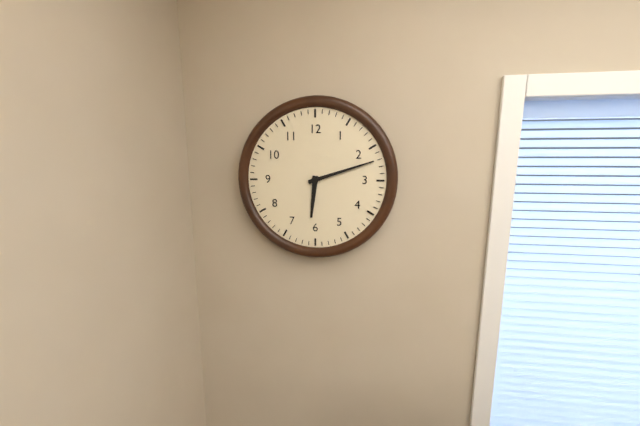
6:12
